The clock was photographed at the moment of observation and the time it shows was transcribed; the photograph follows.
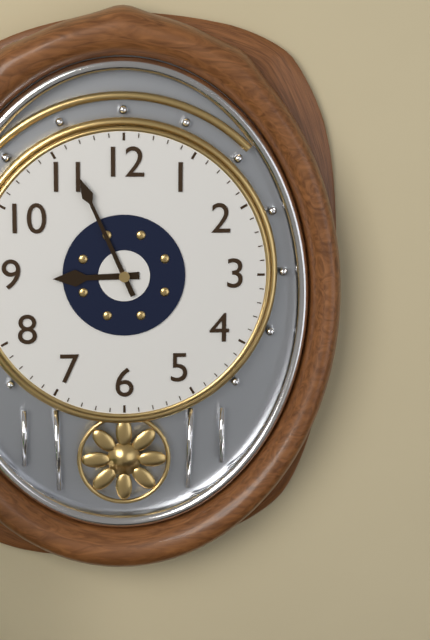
8:56
